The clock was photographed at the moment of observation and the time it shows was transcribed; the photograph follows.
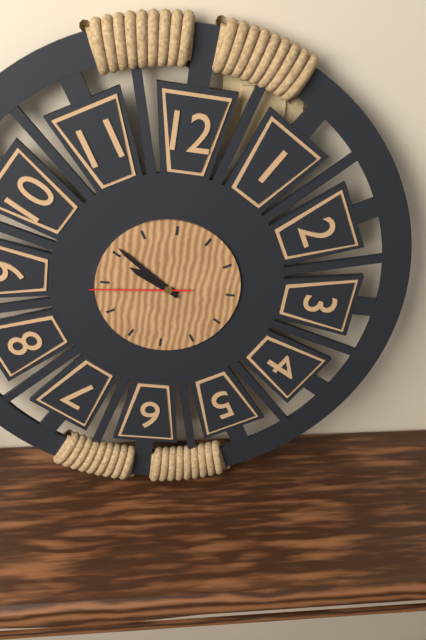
9:51:44
